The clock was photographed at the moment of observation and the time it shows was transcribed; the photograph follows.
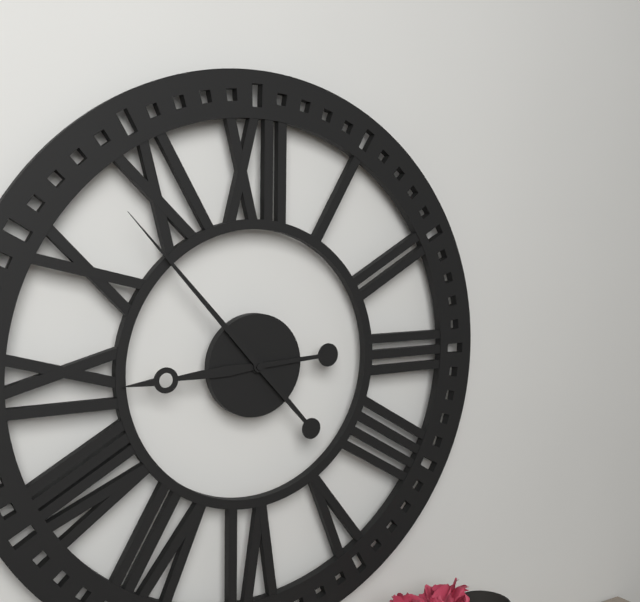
8:53
